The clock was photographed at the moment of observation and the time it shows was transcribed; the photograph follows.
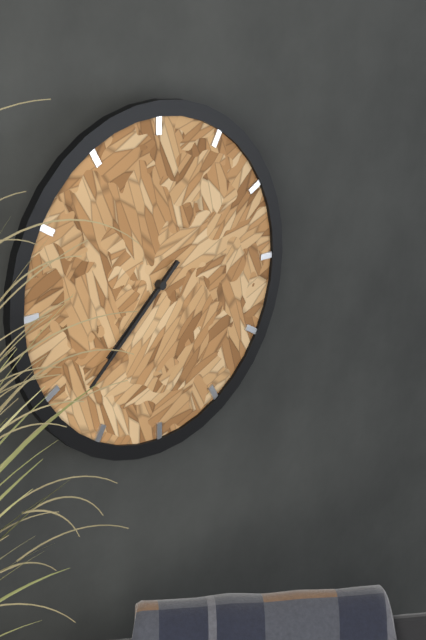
7:38
